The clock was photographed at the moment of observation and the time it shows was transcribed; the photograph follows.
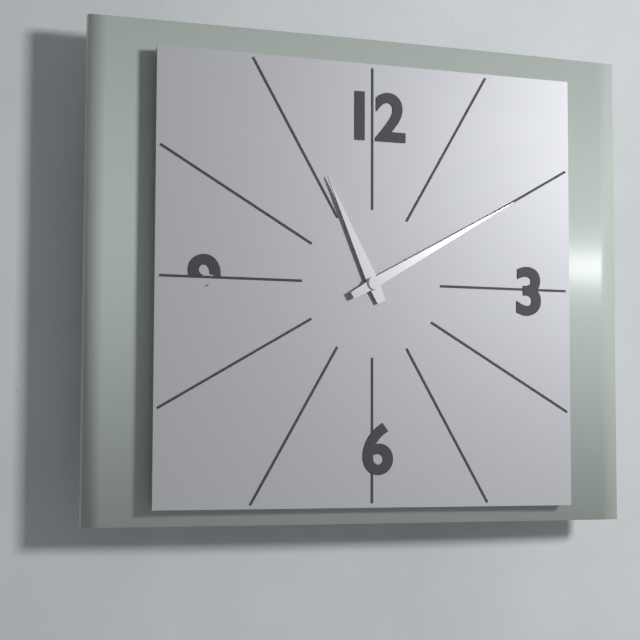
11:10
